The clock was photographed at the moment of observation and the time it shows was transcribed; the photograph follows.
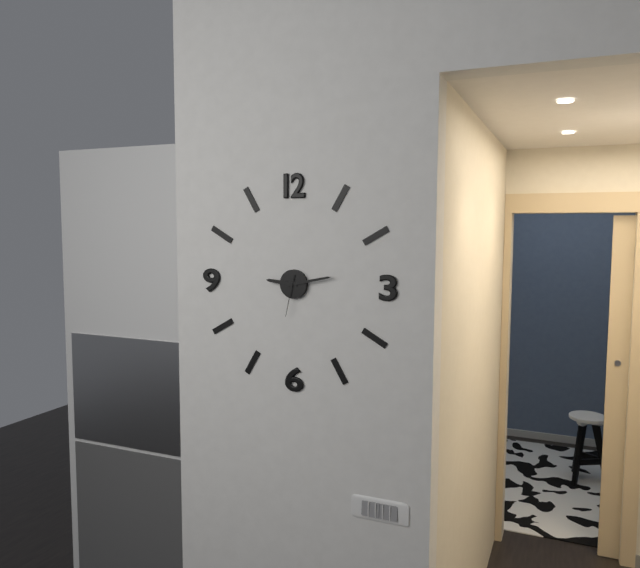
9:13
